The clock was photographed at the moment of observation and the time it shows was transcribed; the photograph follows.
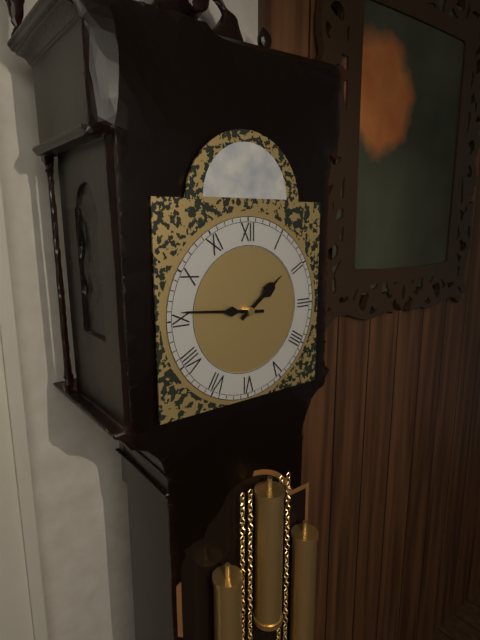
1:46
